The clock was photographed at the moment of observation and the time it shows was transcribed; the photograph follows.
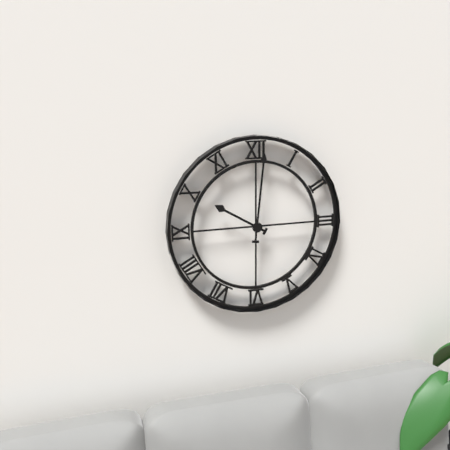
10:01
